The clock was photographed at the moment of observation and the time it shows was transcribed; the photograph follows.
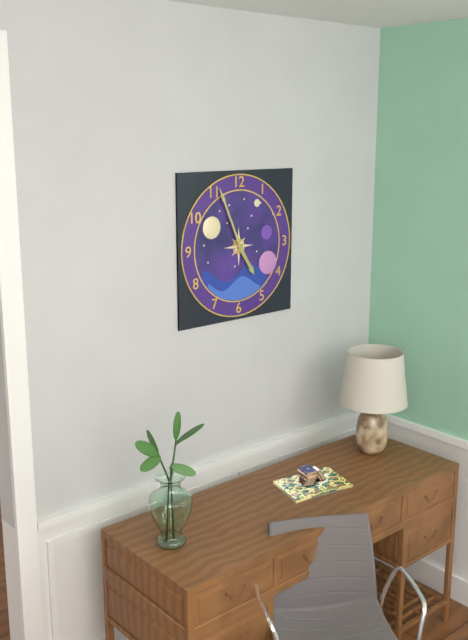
4:56
